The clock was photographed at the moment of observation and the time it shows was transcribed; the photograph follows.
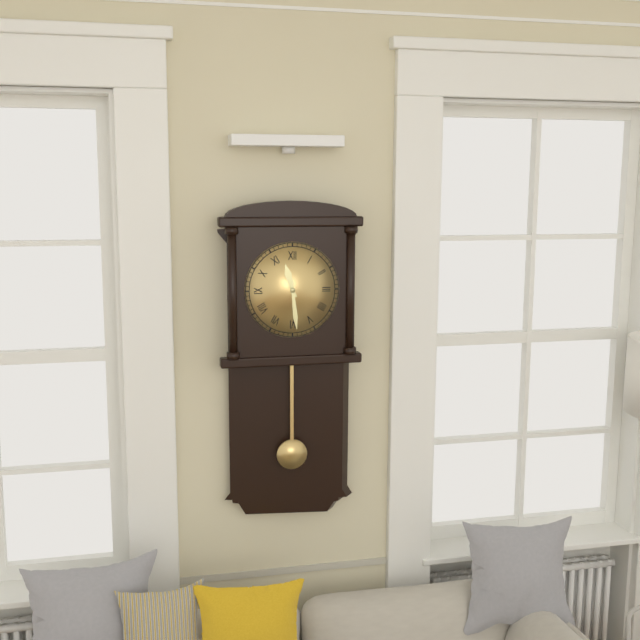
11:29
